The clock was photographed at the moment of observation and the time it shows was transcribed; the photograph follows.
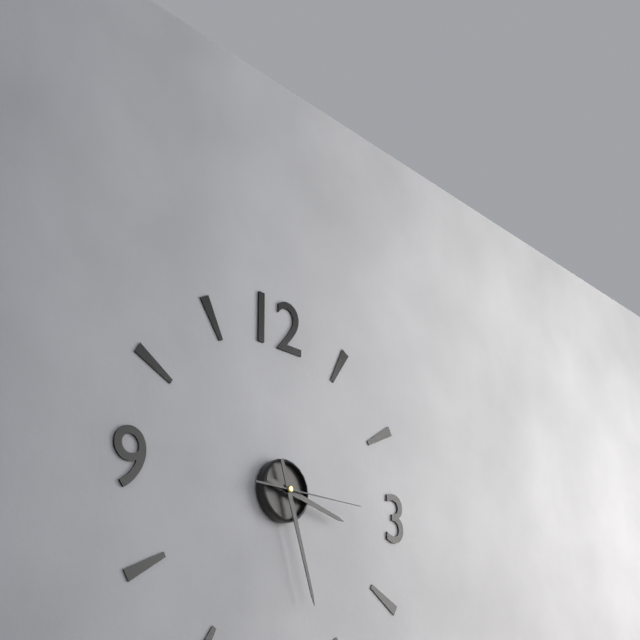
3:27:15
